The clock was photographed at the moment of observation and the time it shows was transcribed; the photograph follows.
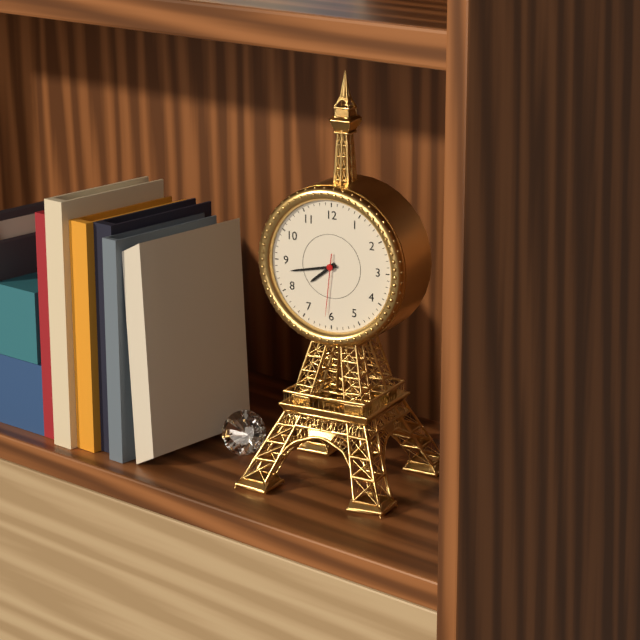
7:43:31
